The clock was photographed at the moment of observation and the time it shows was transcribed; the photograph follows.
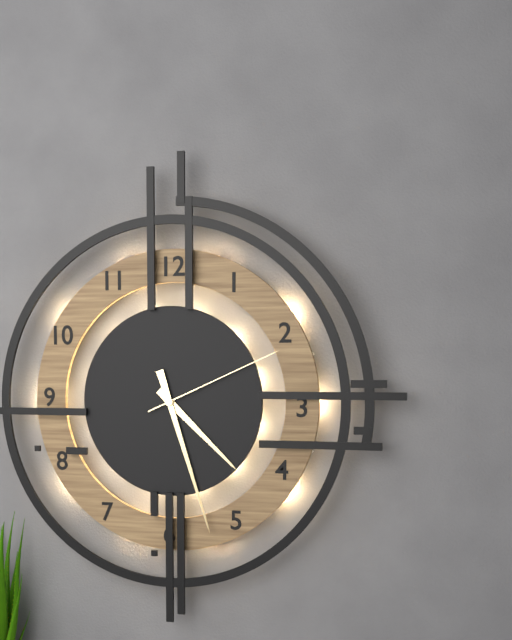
4:27:11
